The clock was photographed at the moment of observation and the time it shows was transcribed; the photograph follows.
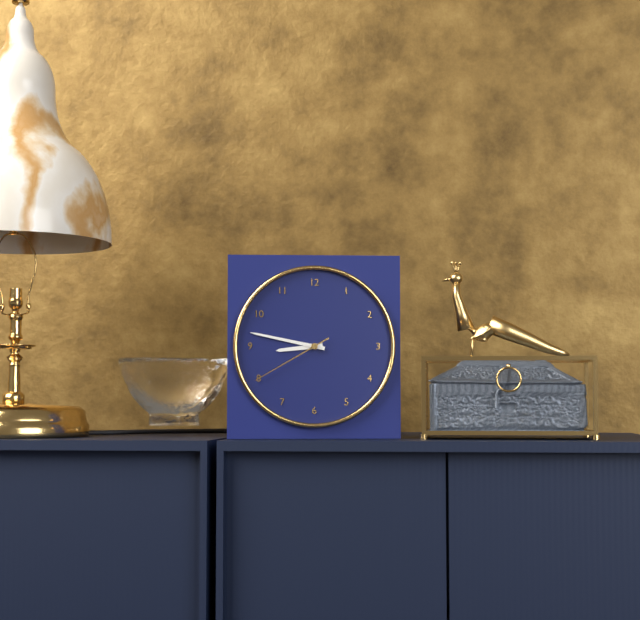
8:47:40
